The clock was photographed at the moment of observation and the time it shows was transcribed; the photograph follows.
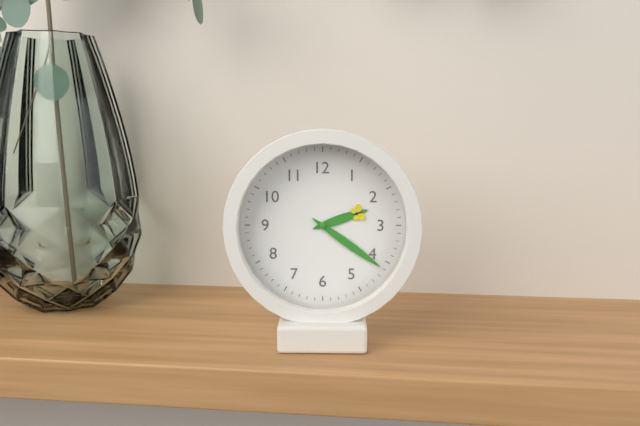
2:21
